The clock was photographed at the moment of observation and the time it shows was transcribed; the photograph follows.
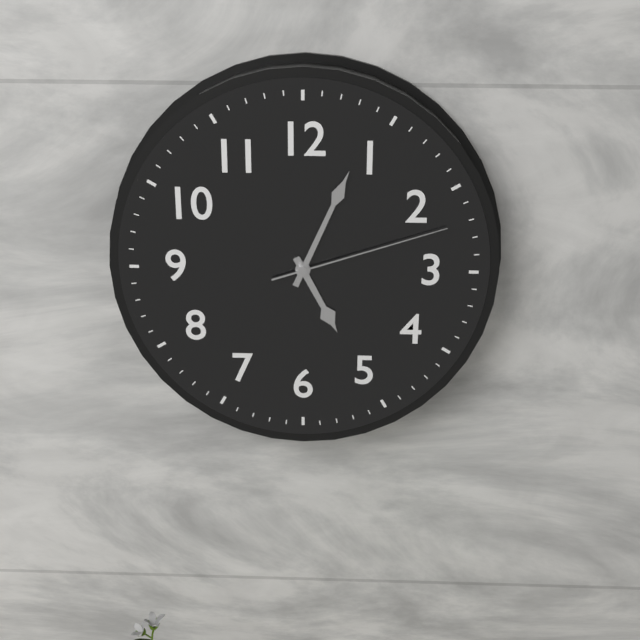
5:04:12
